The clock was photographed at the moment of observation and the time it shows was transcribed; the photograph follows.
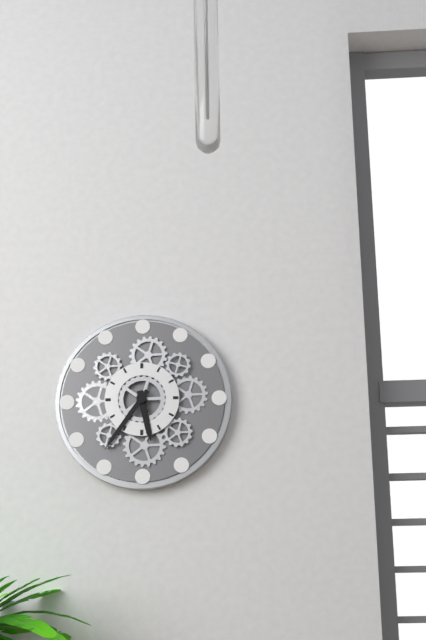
5:36
